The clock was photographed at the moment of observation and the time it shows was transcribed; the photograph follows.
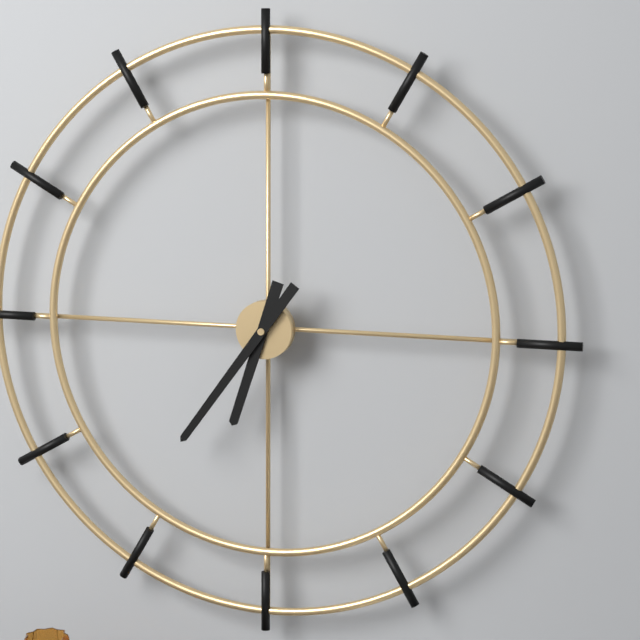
6:36
